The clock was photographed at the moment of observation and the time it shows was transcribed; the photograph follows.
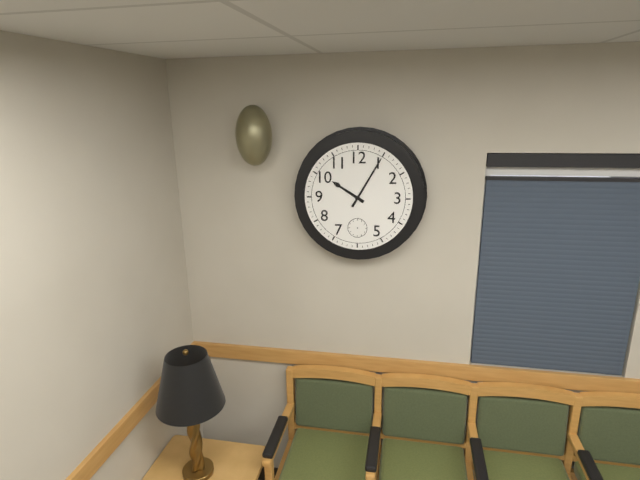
10:05
